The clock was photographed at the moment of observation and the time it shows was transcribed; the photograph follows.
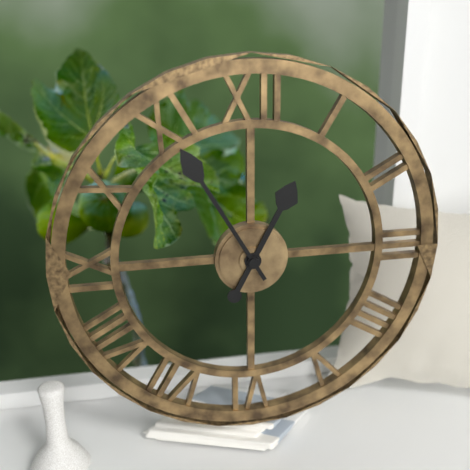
12:55
